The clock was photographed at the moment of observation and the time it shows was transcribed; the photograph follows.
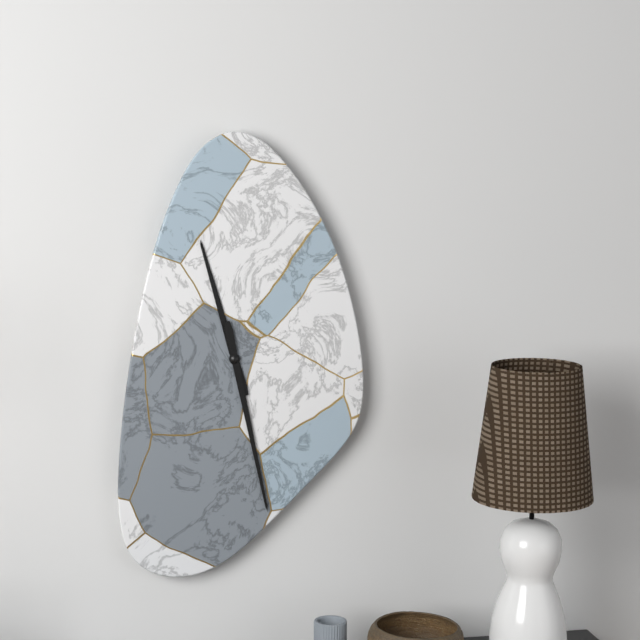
11:28
